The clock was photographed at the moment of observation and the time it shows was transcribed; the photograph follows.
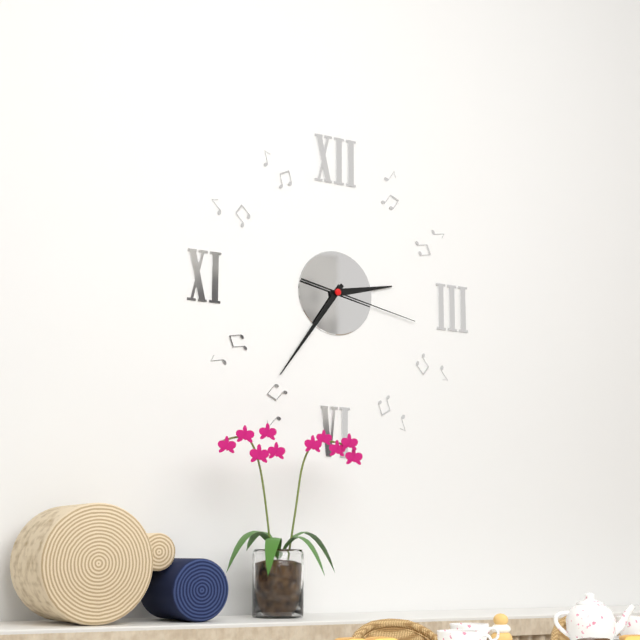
2:36:17
